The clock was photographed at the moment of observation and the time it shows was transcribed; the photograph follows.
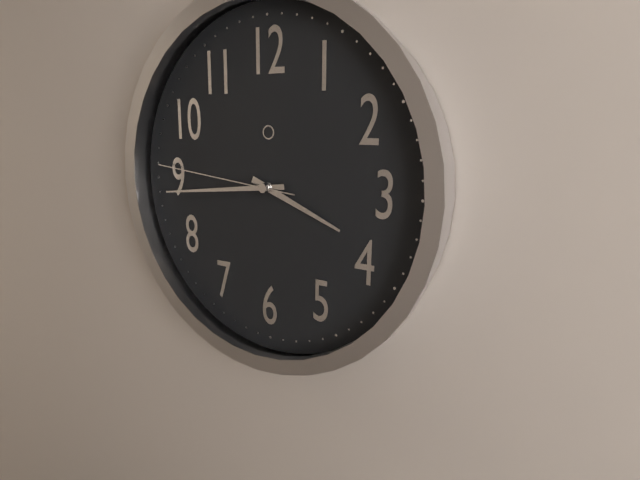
3:44:46
